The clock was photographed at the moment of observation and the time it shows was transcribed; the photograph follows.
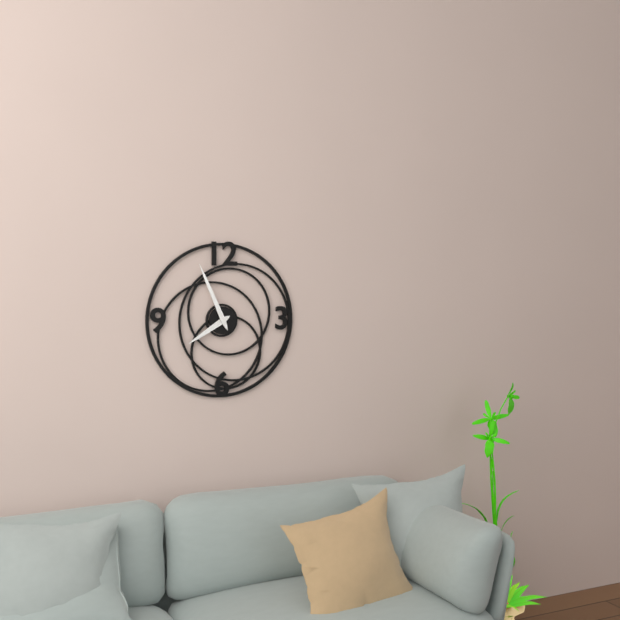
7:56
